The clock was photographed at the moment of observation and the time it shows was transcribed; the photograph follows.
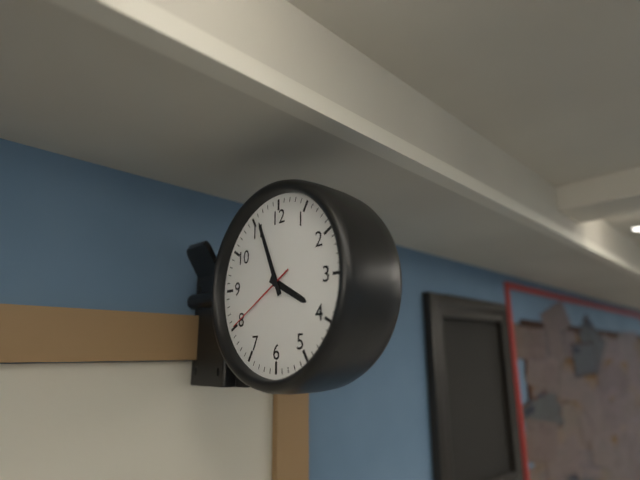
3:56:40
